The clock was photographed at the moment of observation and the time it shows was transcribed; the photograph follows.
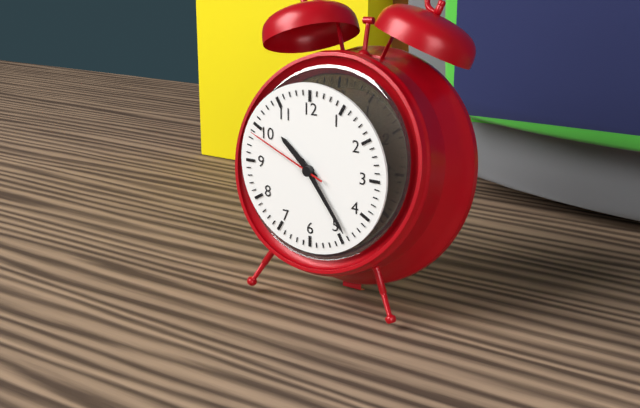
10:24:49
